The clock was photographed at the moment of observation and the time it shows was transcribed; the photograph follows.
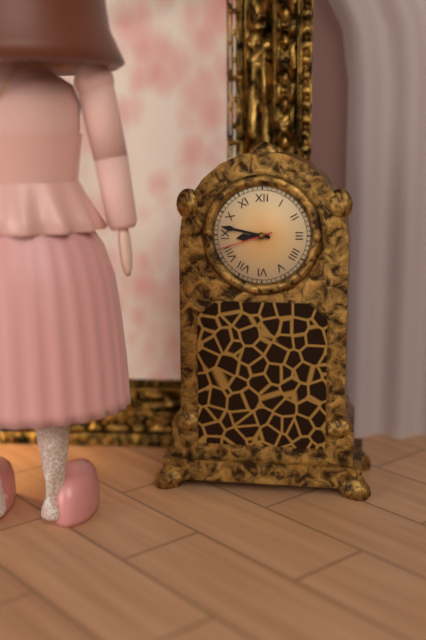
8:47:42
